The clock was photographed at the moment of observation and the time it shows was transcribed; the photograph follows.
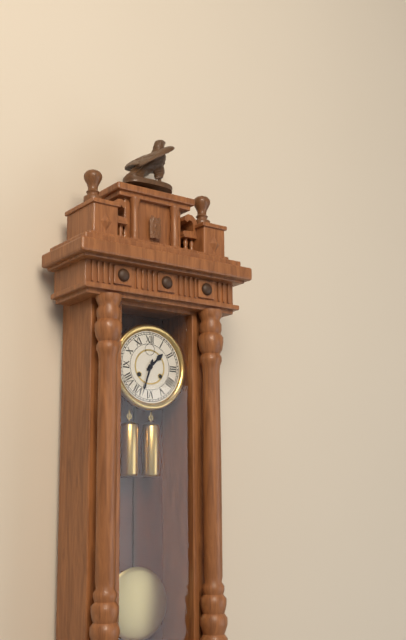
1:33
